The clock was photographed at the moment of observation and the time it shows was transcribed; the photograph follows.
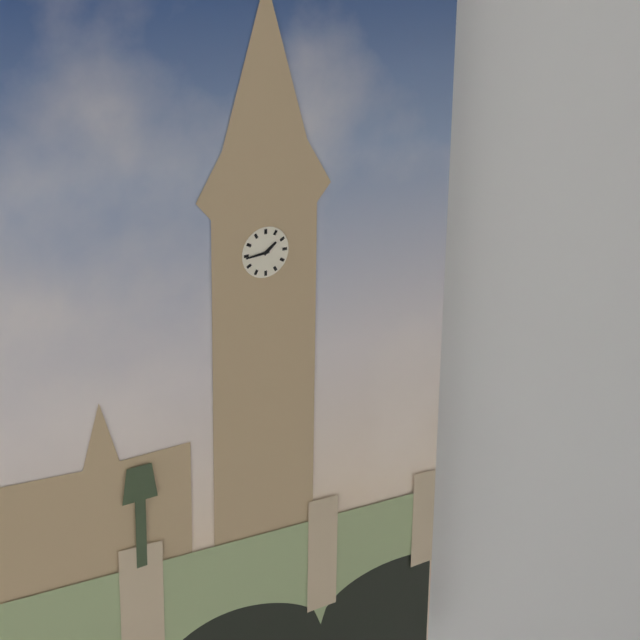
1:44
